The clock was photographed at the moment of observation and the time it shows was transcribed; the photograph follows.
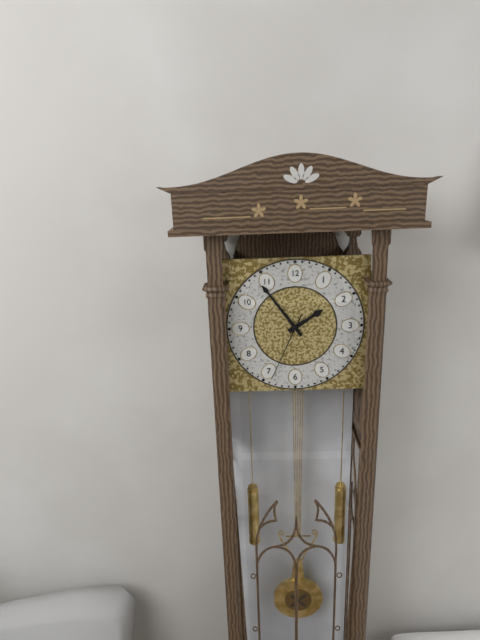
1:54:34
